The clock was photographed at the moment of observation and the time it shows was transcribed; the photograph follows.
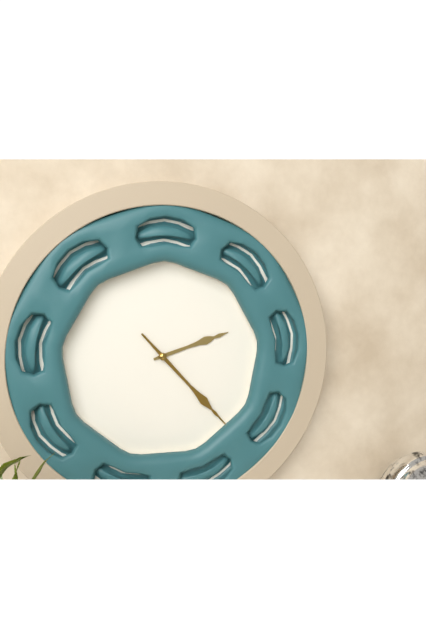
2:23
